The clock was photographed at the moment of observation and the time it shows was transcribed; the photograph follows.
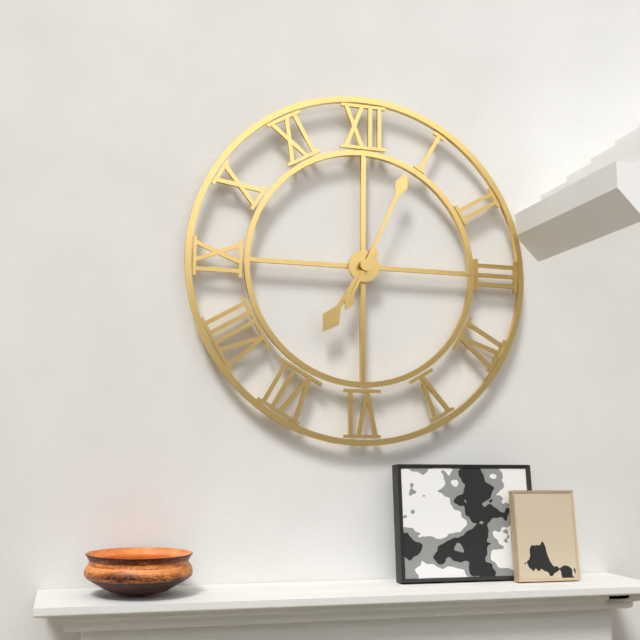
7:04
